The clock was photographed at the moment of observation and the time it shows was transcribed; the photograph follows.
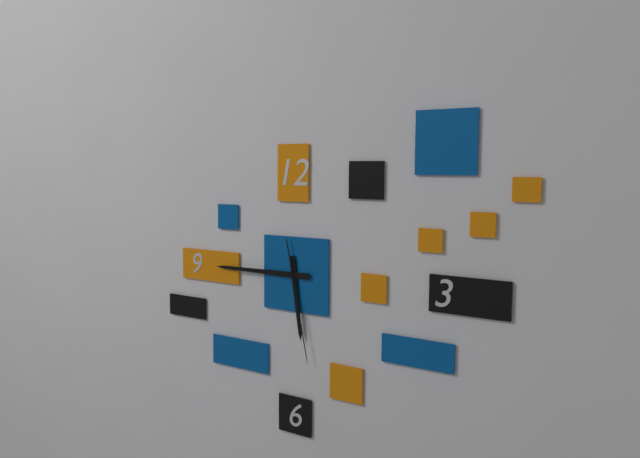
5:45:28
